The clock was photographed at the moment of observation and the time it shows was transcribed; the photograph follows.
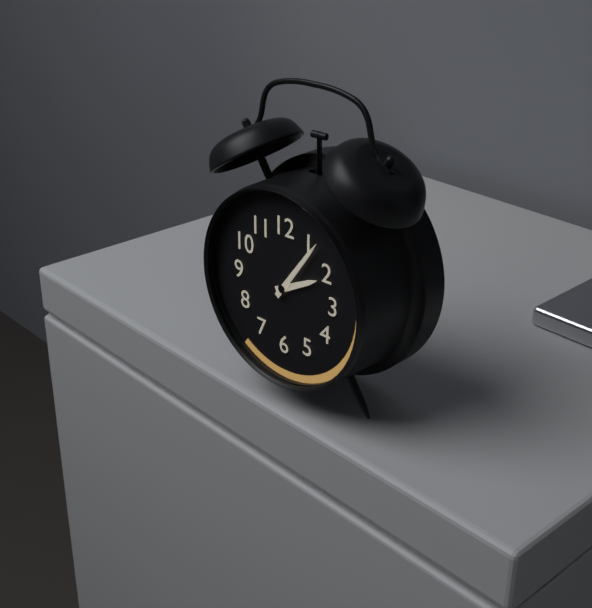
2:06
